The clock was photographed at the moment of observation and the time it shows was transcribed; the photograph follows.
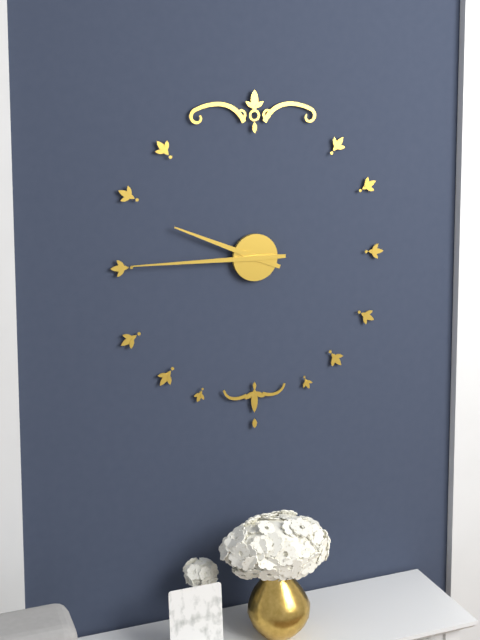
9:45
